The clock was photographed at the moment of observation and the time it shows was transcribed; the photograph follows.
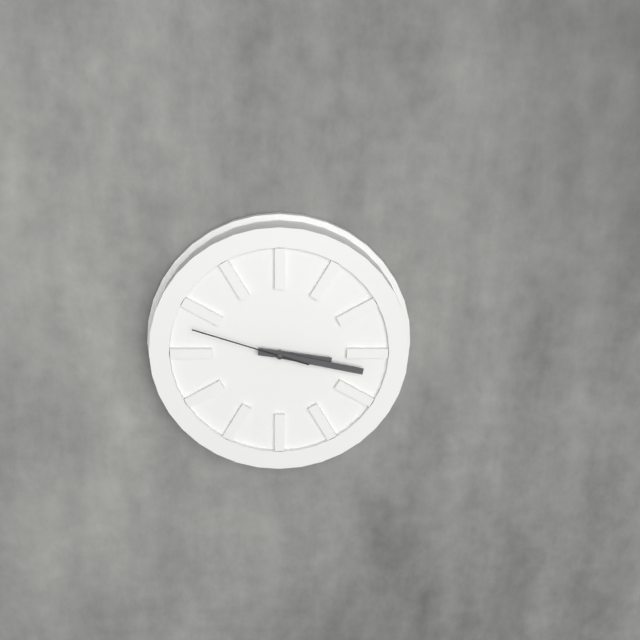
3:17:48
